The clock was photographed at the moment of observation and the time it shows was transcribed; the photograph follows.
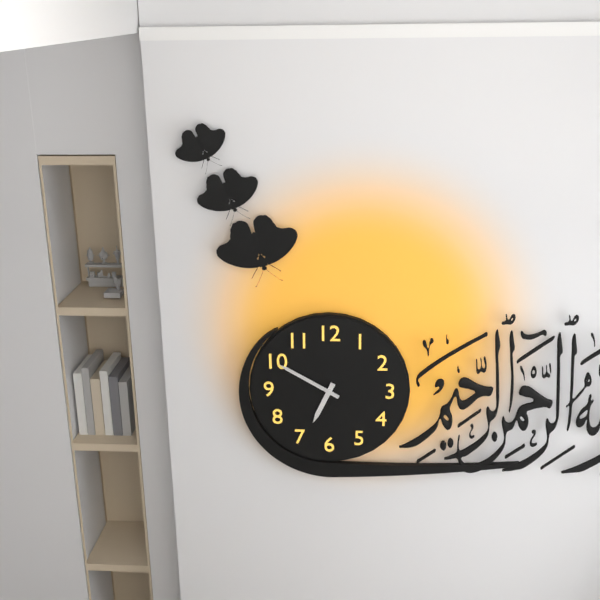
6:50
